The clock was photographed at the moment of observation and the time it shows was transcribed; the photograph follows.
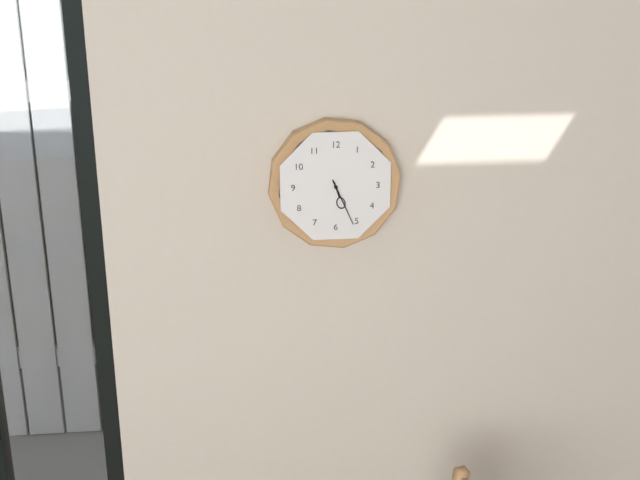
5:26
